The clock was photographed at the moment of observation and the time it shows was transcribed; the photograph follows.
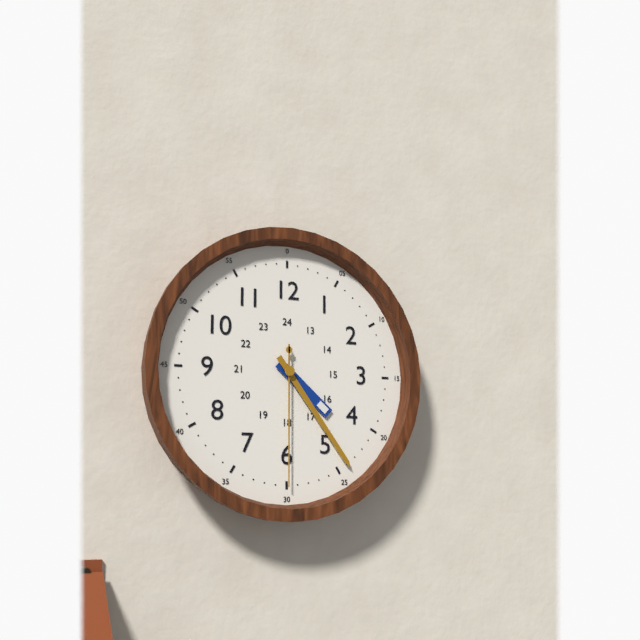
4:24:30
